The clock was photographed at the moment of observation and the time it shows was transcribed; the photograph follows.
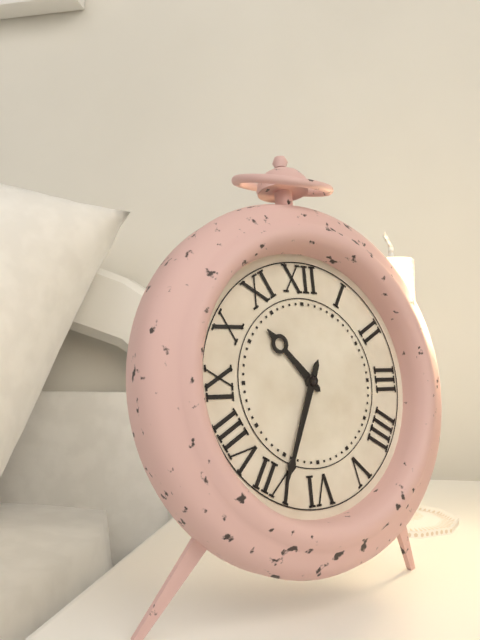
10:34
